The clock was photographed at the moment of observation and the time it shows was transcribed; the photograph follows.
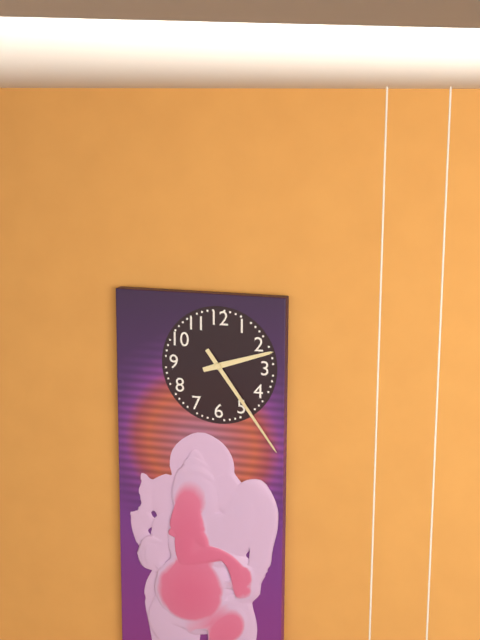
2:24
